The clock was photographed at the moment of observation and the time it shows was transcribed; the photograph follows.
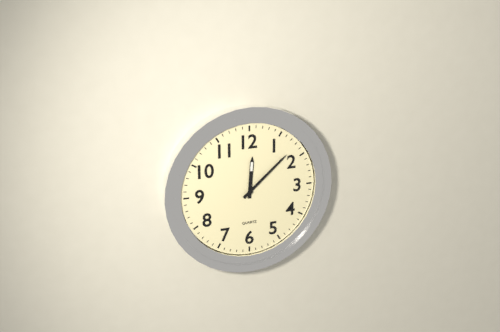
12:08
